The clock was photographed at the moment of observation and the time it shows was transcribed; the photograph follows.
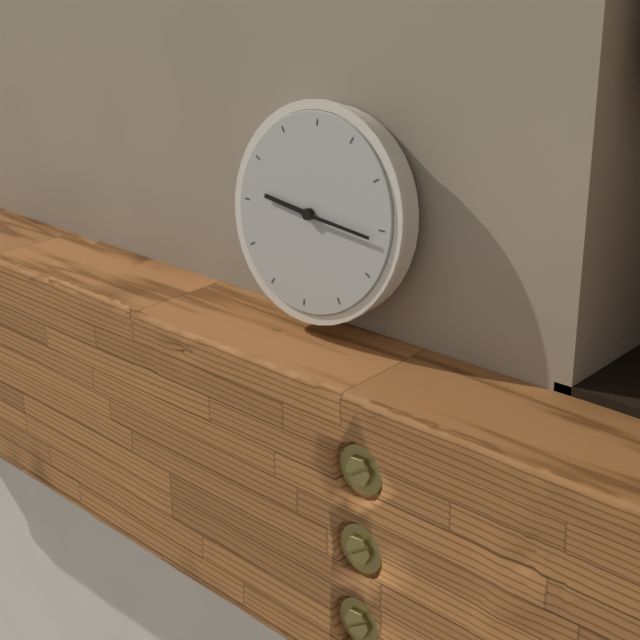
9:16
